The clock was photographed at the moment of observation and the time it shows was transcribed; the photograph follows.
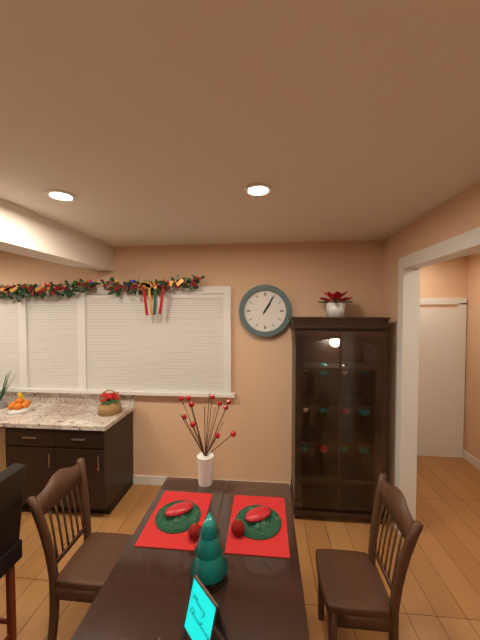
1:05
